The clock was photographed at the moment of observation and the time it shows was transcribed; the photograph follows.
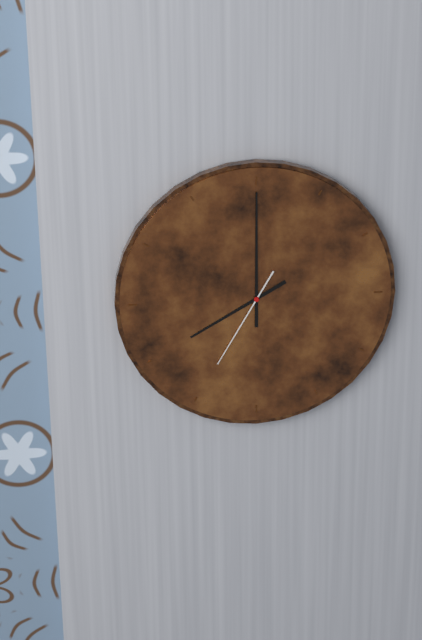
8:00:35
